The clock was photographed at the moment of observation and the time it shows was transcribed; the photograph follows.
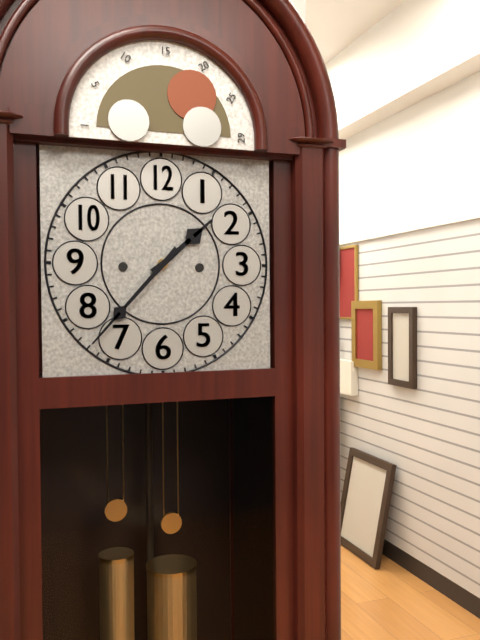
1:37
